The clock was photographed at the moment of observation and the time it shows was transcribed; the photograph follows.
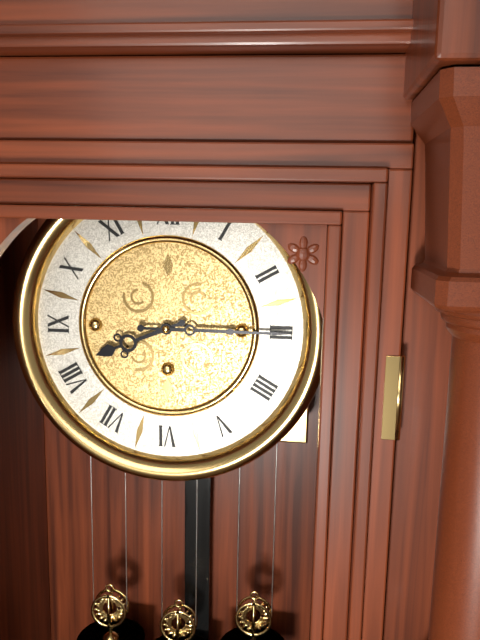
8:15
